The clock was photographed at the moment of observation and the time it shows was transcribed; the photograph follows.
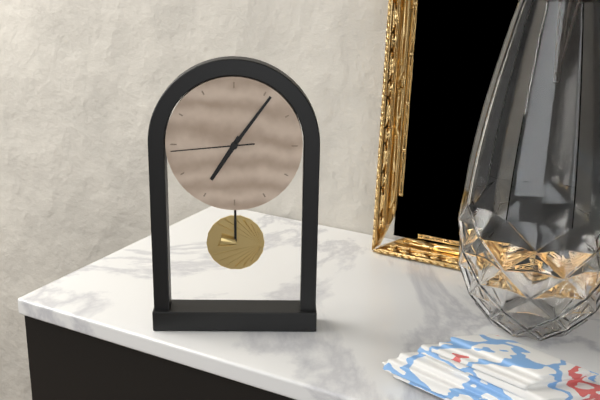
7:06:44
